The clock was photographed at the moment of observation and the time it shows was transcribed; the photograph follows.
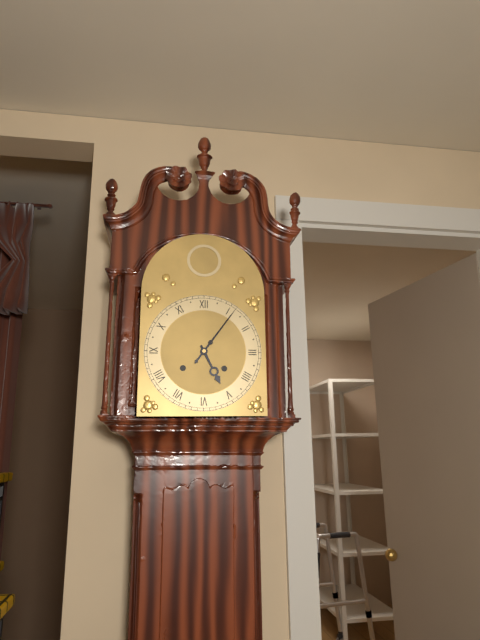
5:06
